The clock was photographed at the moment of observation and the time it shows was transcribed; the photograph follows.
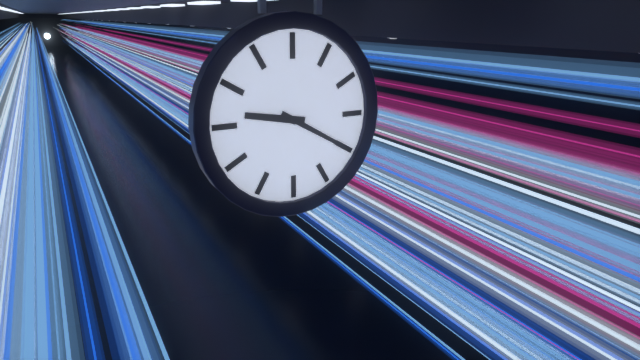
9:20
